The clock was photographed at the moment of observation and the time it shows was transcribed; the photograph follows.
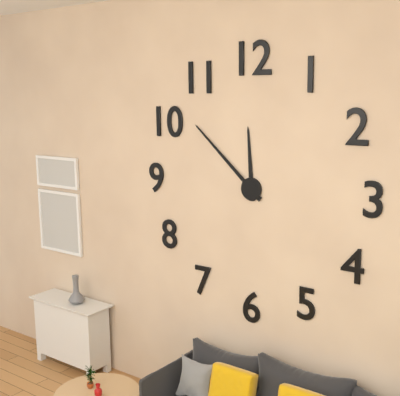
11:52
